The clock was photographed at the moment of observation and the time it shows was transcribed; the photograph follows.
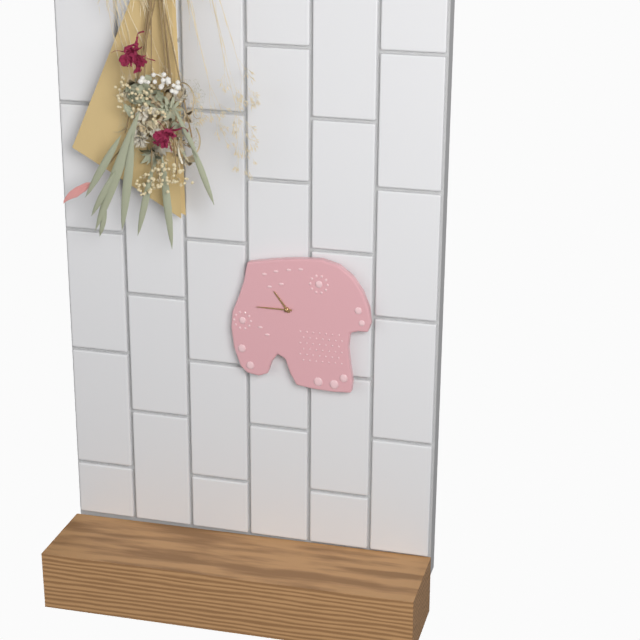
10:45
